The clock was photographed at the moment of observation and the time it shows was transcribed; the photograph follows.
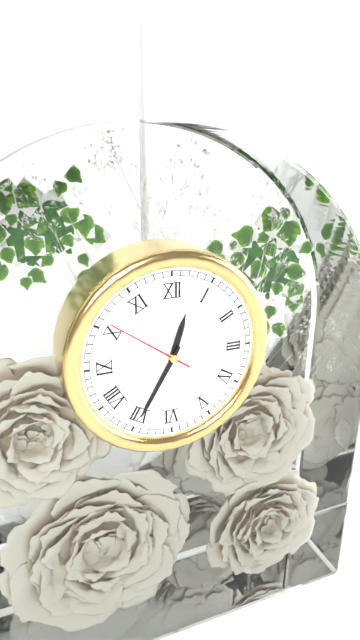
12:35:51
